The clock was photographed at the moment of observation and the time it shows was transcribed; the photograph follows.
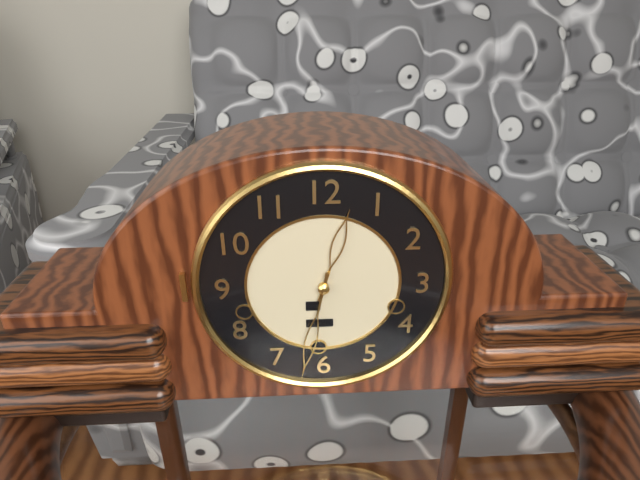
12:32
